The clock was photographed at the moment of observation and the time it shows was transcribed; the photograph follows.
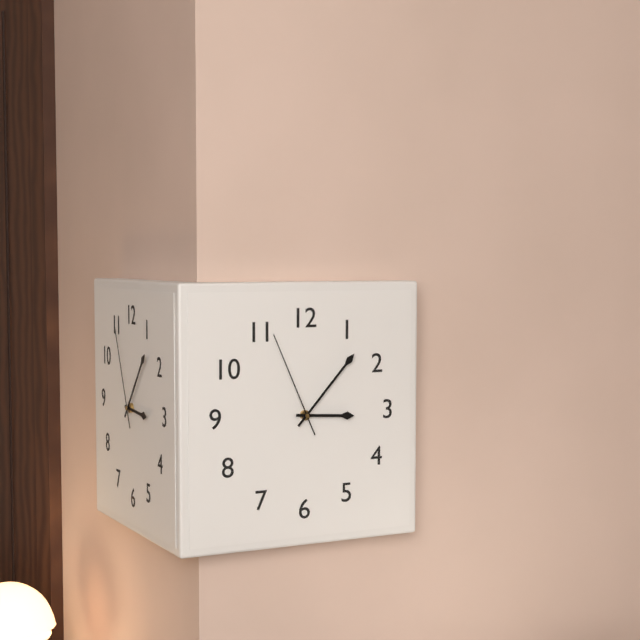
3:07:56
